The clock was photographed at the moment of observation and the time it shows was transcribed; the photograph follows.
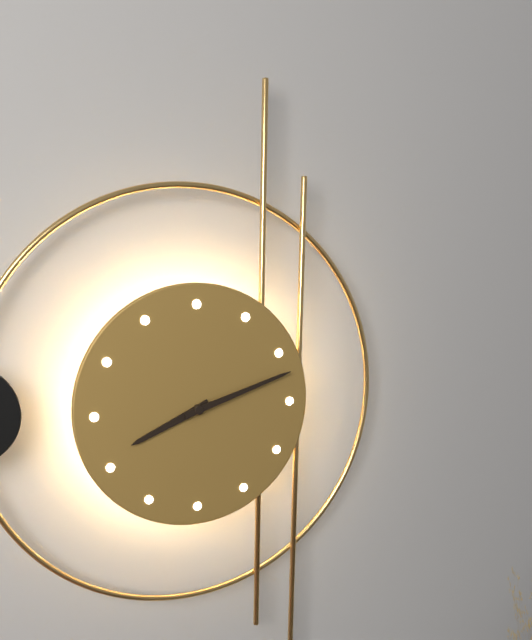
8:12
